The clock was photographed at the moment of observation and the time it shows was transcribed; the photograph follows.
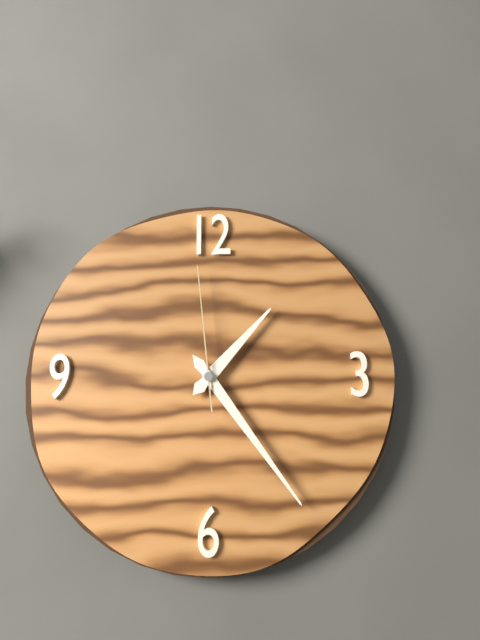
1:24:59
